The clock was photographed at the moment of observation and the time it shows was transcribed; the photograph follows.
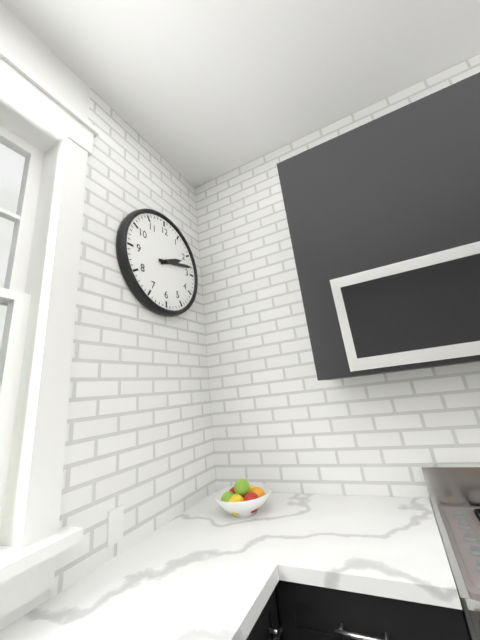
2:13
